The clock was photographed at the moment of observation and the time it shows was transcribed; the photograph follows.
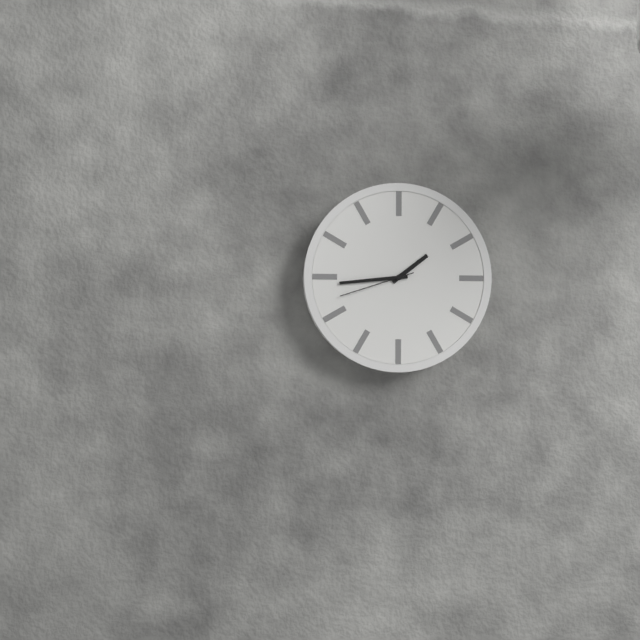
1:44:42
